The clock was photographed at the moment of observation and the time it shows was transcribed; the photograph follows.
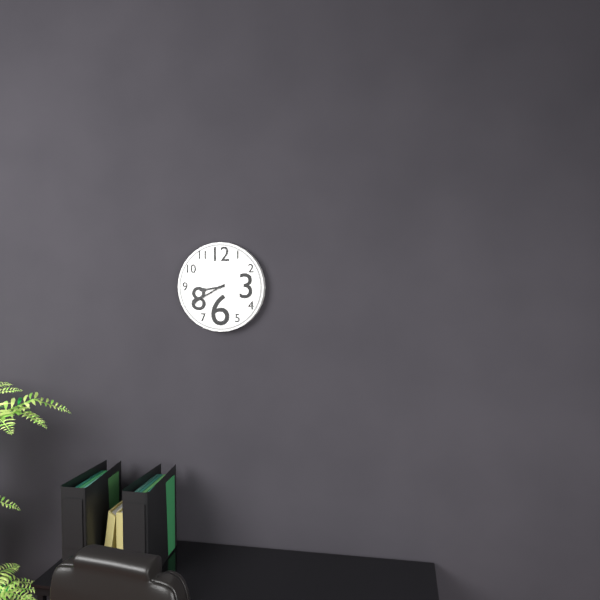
8:40
